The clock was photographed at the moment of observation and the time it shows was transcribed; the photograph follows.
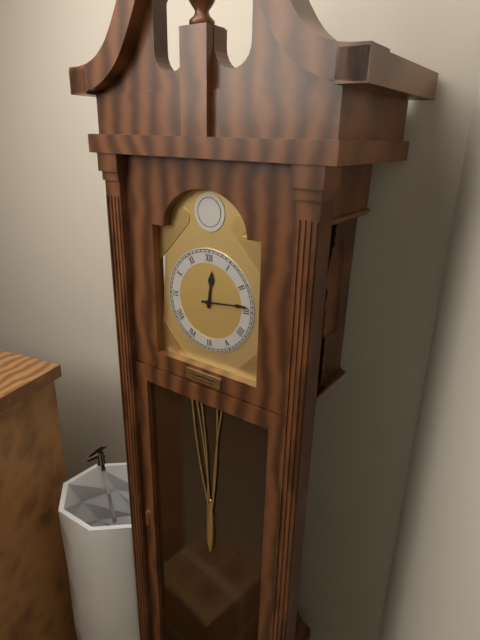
12:14
